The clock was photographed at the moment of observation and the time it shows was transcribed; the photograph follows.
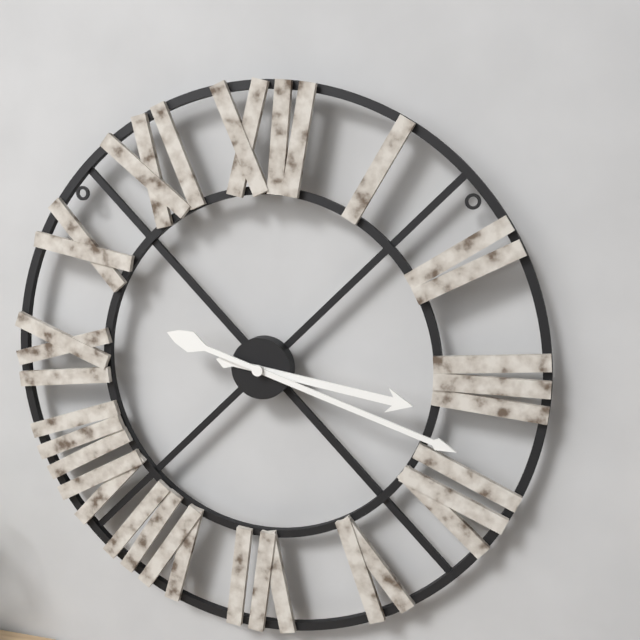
3:18
